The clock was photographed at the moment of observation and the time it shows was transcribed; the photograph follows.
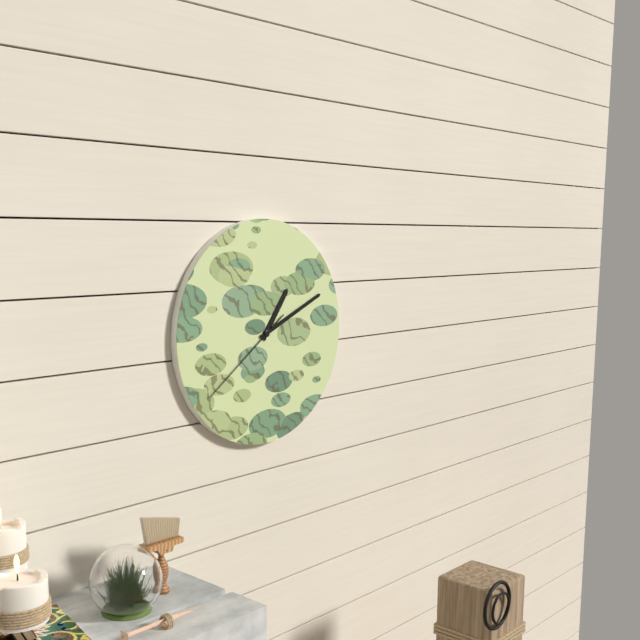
1:11:39
